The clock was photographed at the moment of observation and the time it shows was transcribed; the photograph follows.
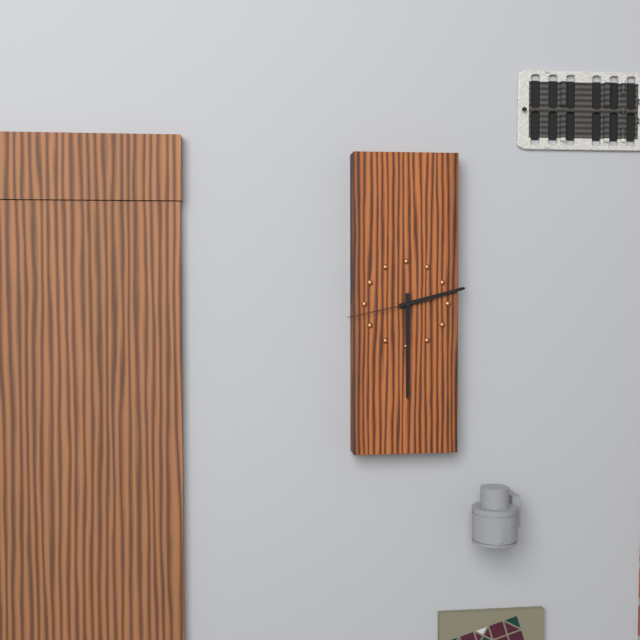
2:30:43
